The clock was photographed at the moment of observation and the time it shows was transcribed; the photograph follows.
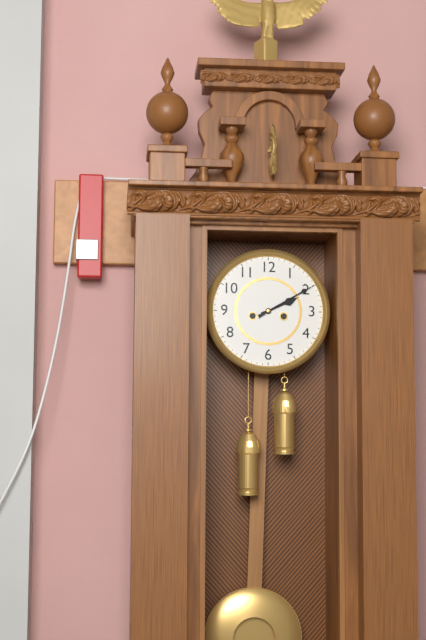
2:10
